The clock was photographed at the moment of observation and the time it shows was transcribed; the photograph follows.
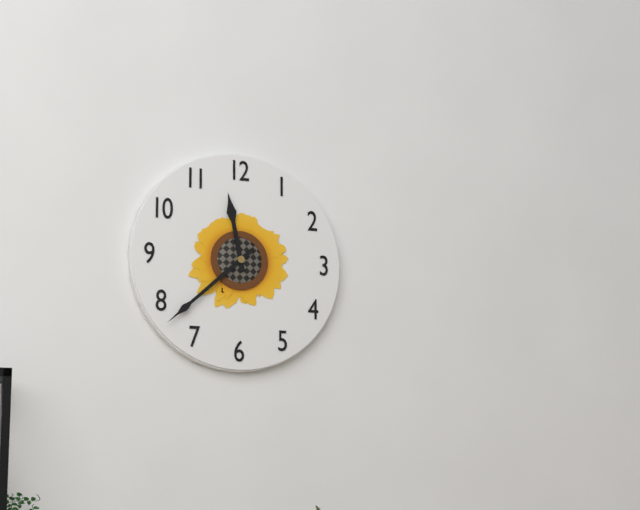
11:38
